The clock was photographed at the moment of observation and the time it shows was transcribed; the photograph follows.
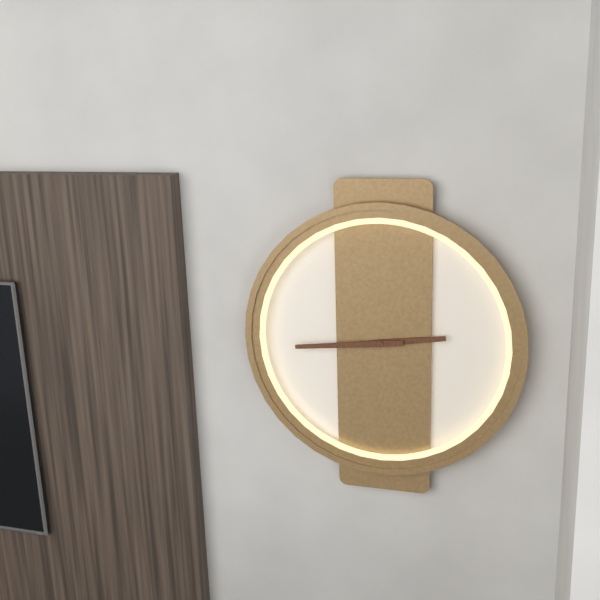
2:44
